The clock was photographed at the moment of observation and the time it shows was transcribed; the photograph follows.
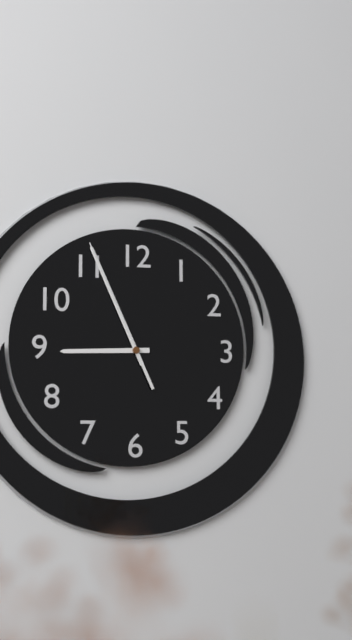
8:56:56
